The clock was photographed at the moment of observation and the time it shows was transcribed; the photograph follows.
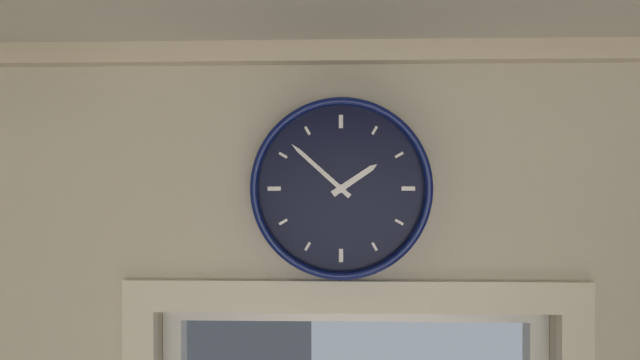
1:52
